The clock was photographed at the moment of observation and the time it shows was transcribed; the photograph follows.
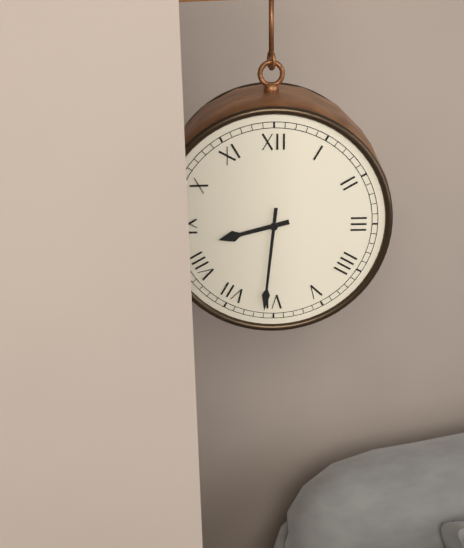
8:31
